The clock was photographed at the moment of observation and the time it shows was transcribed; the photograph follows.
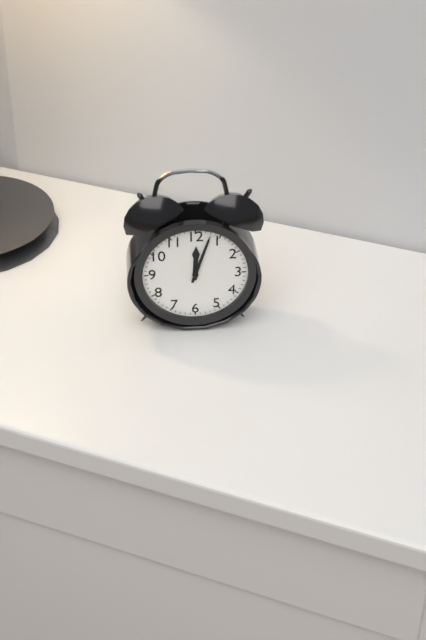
12:03
